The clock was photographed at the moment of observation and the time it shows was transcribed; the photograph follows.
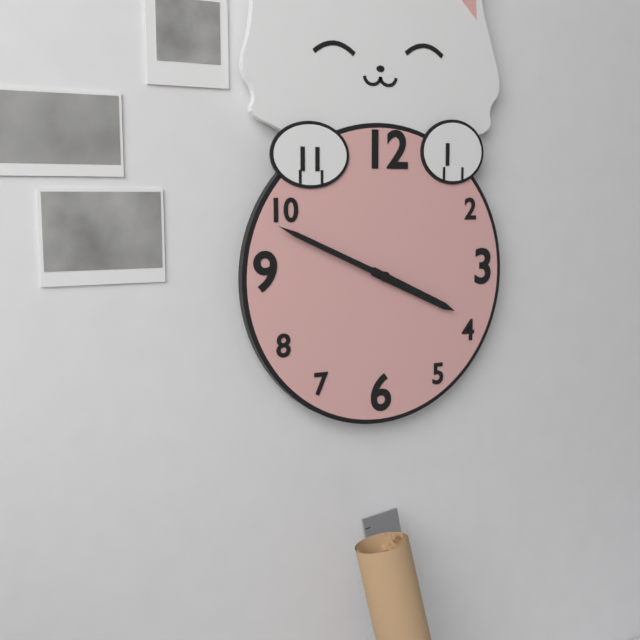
3:49
